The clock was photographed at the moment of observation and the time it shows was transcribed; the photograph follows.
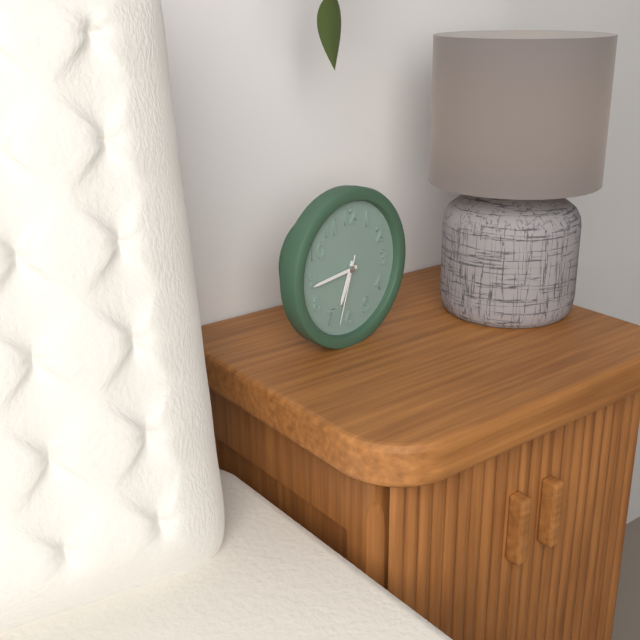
6:44:33
